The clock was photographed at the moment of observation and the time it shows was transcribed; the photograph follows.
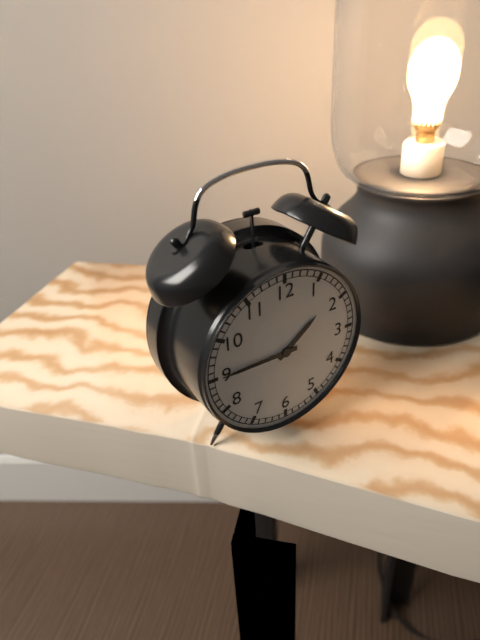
1:45
